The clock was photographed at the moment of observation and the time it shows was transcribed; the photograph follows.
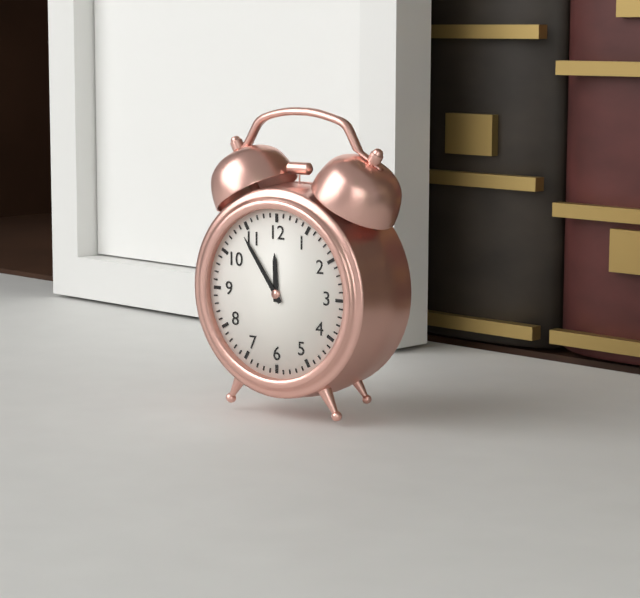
11:54
